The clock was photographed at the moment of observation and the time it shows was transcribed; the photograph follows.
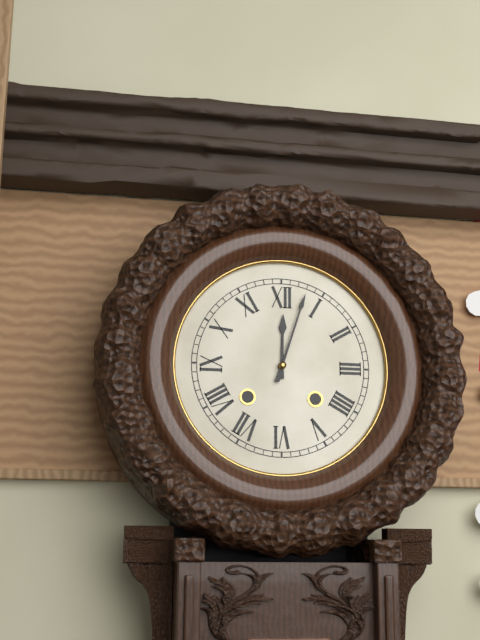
12:03
